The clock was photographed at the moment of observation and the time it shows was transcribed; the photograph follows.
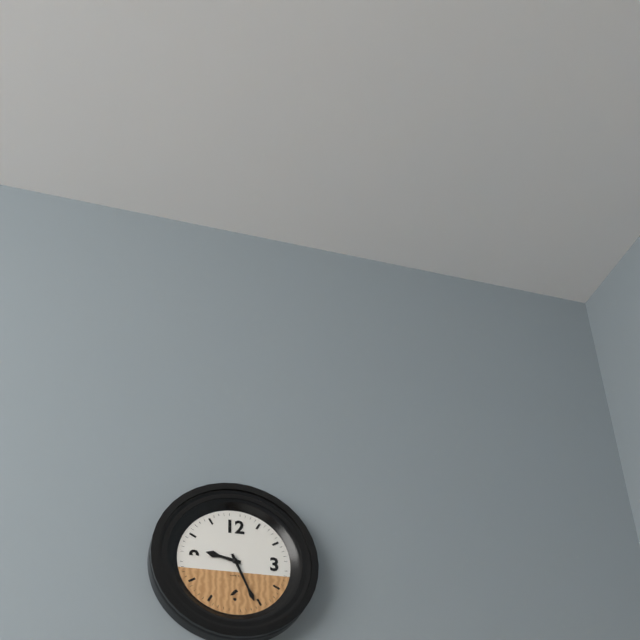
9:26
